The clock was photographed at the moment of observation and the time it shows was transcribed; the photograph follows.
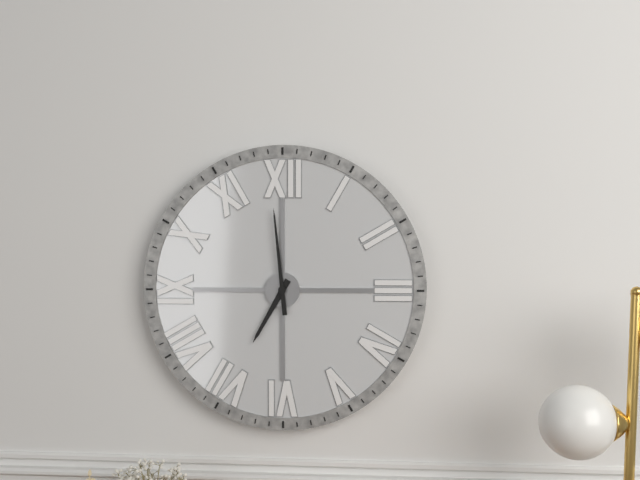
6:59
